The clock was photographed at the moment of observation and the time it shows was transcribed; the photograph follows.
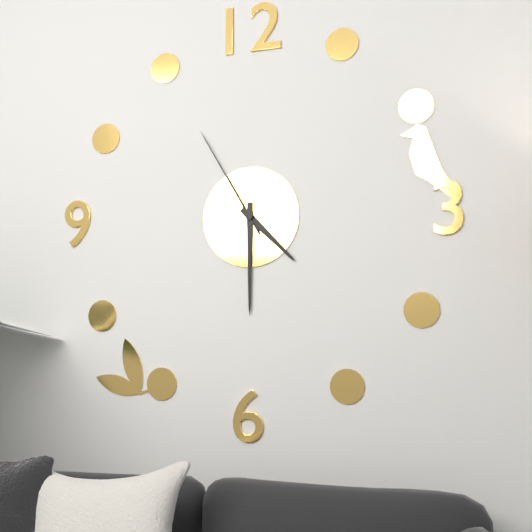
4:30:55
